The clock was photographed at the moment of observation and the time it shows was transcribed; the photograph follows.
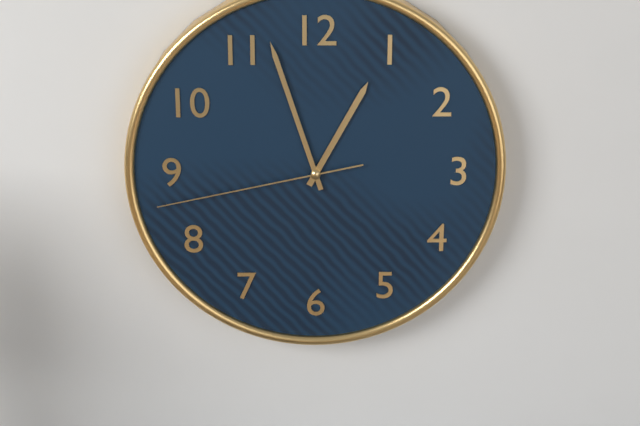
12:57:43
